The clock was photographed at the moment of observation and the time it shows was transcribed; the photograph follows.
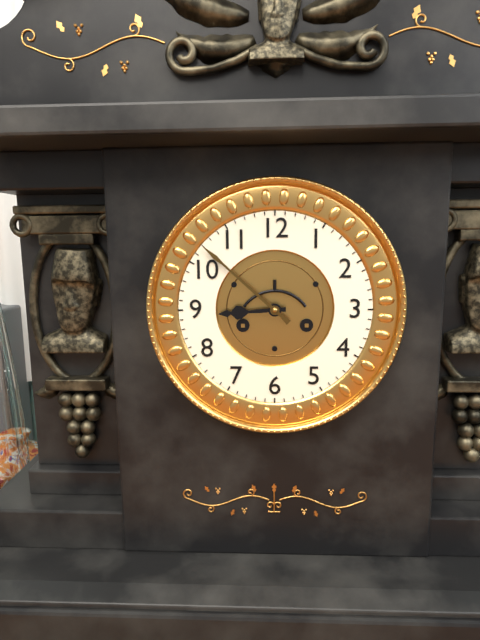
8:52
